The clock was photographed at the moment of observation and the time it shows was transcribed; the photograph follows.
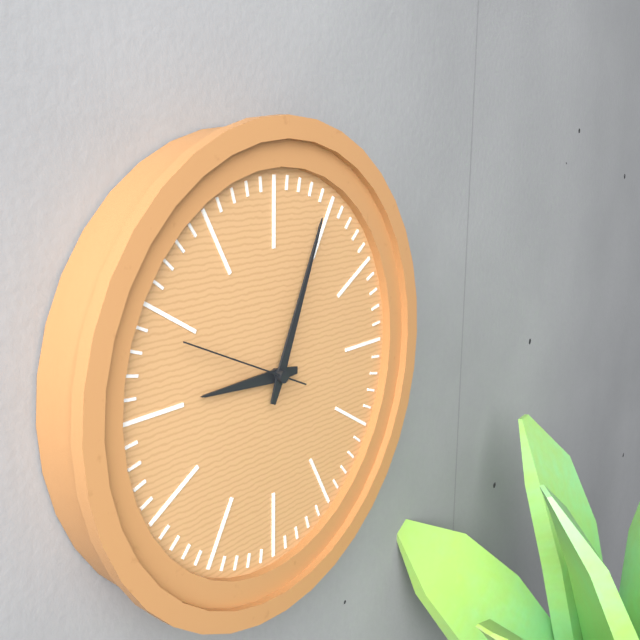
9:04:49
